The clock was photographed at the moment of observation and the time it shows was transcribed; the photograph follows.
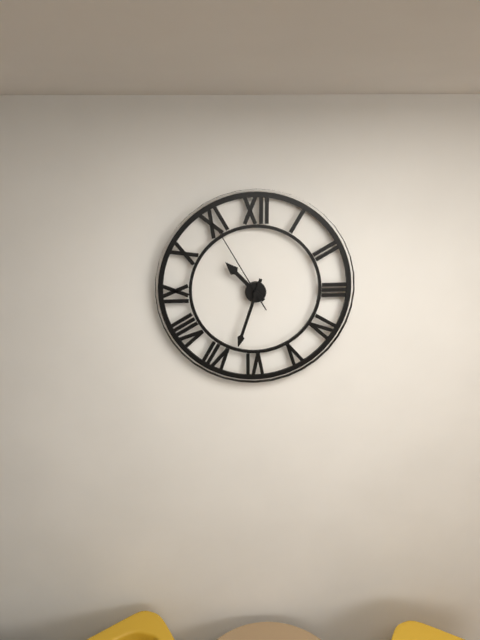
10:33:55
